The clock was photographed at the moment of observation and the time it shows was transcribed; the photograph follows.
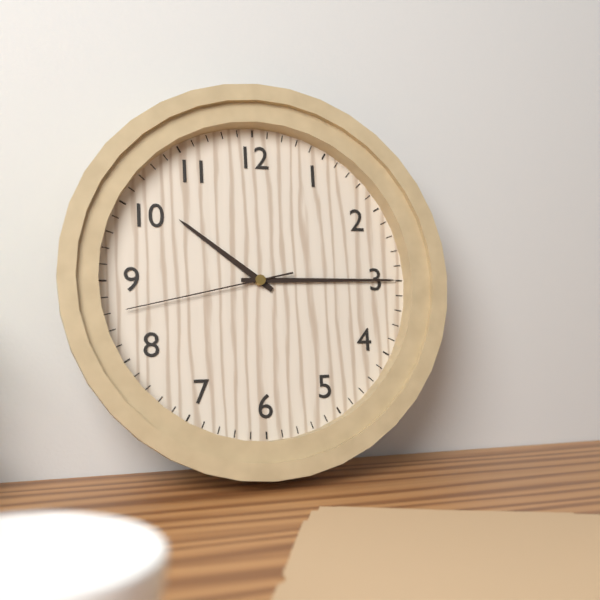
10:15:43
